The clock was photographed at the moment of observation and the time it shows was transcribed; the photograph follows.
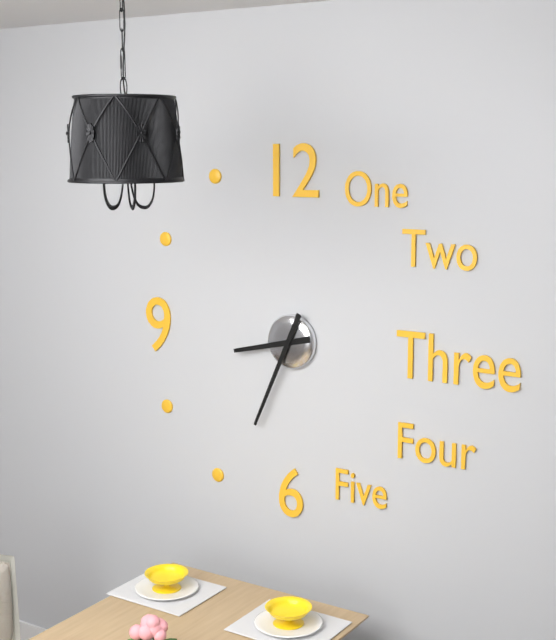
8:34
